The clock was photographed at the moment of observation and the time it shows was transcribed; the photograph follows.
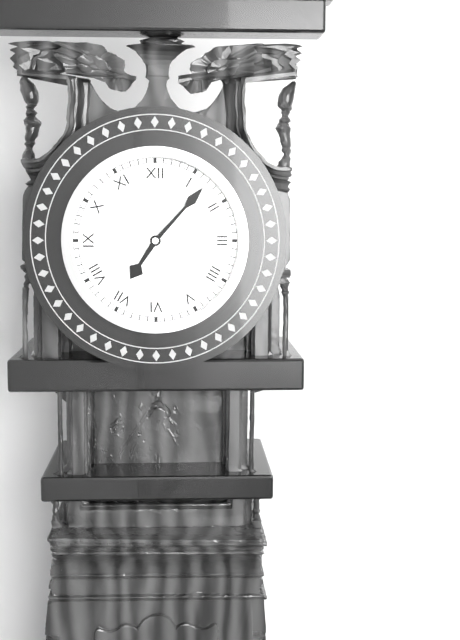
7:07
